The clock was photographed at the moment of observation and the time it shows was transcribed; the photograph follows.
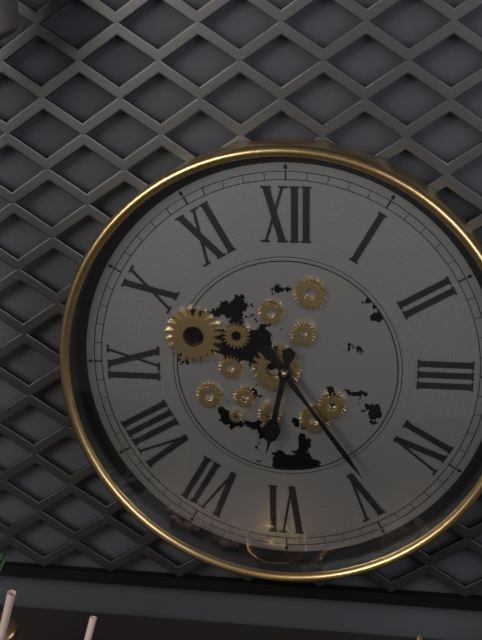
6:24
